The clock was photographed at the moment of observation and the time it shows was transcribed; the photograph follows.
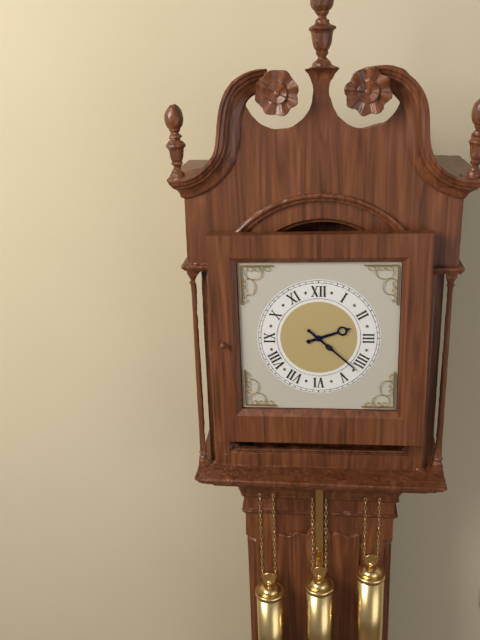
2:22
